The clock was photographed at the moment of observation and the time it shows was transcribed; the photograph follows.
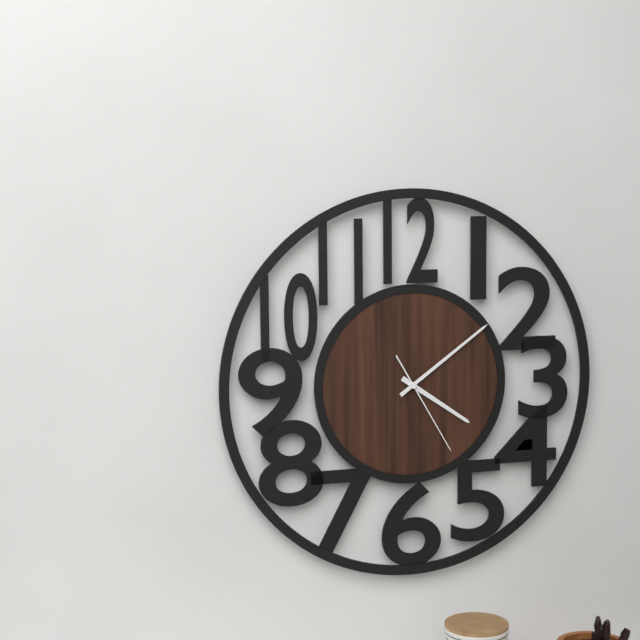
4:09:25
